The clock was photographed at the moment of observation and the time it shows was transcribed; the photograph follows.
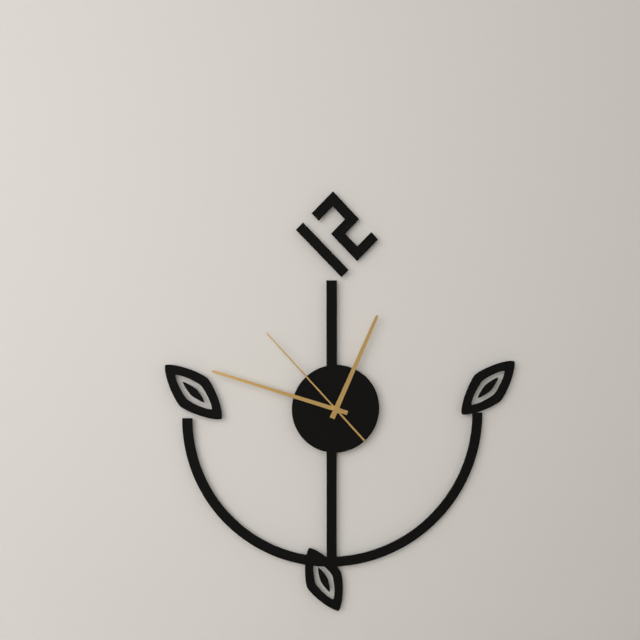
12:48:53
